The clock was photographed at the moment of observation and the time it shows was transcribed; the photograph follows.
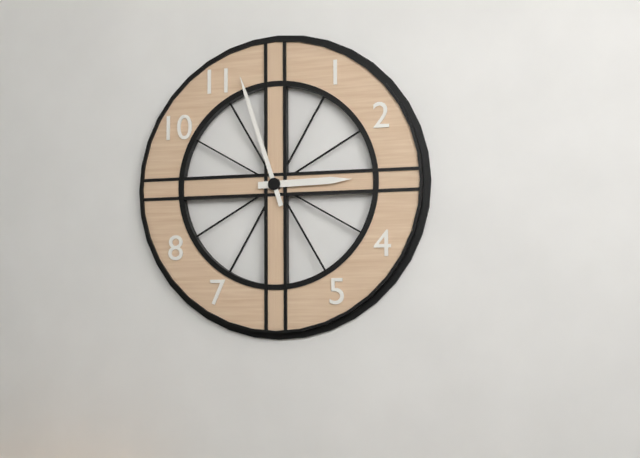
2:57
